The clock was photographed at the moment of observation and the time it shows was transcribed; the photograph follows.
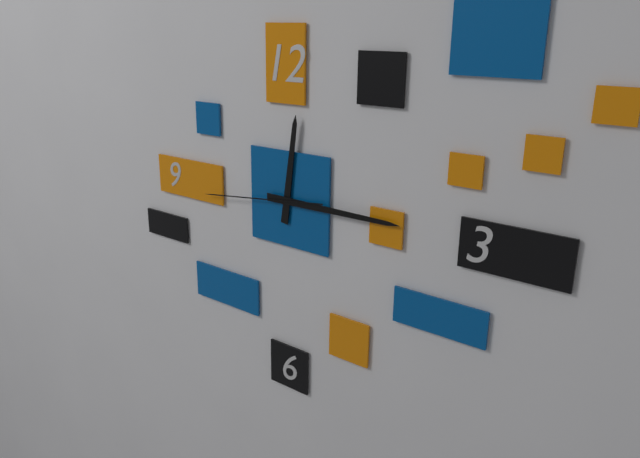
12:15:44
